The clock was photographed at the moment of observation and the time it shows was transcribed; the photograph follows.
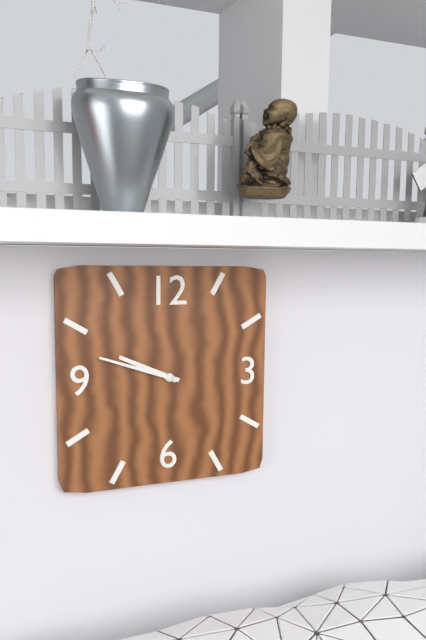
9:48
